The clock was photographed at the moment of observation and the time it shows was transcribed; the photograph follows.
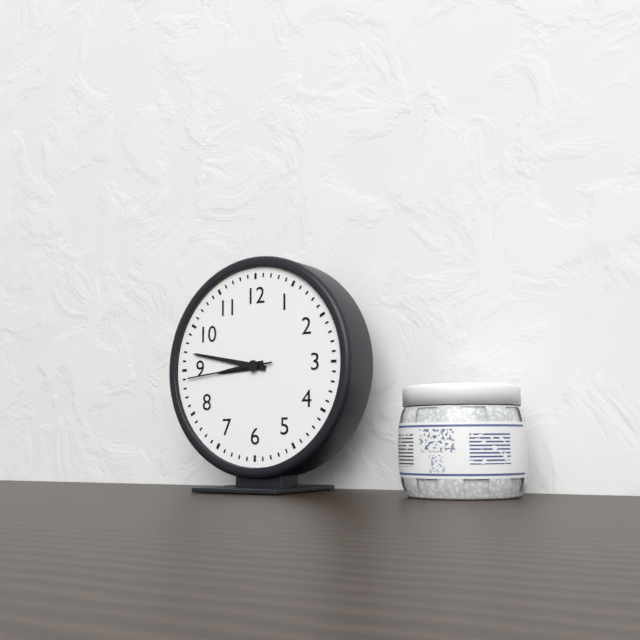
8:47:44
